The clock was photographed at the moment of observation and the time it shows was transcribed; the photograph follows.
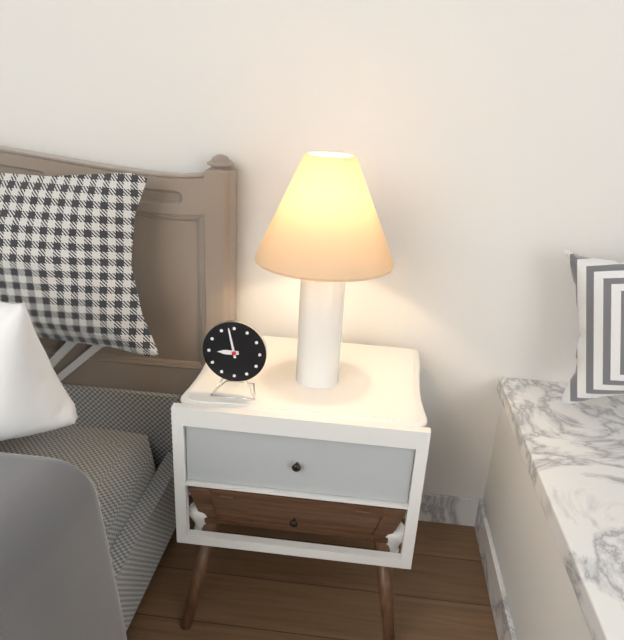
8:58
